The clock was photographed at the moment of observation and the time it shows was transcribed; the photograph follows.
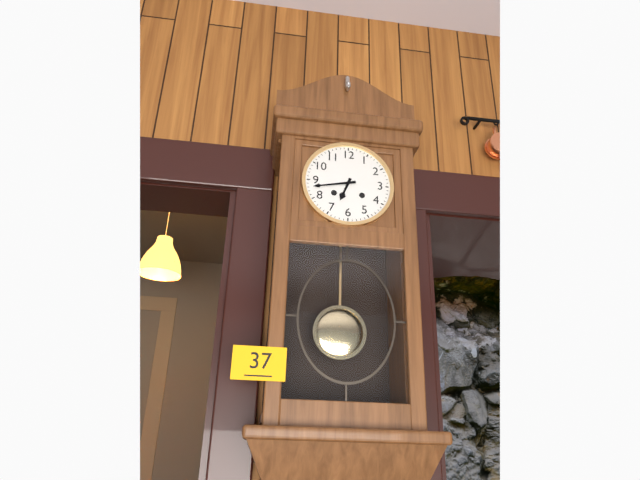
6:43
